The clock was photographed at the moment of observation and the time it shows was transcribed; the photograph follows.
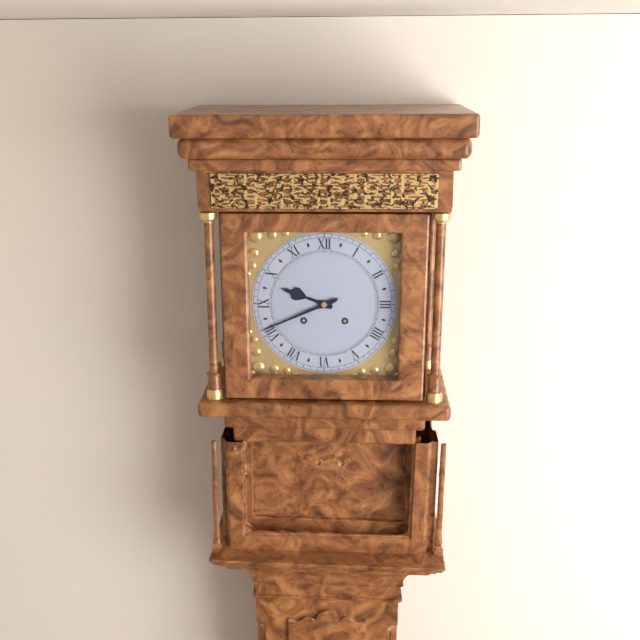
9:41
